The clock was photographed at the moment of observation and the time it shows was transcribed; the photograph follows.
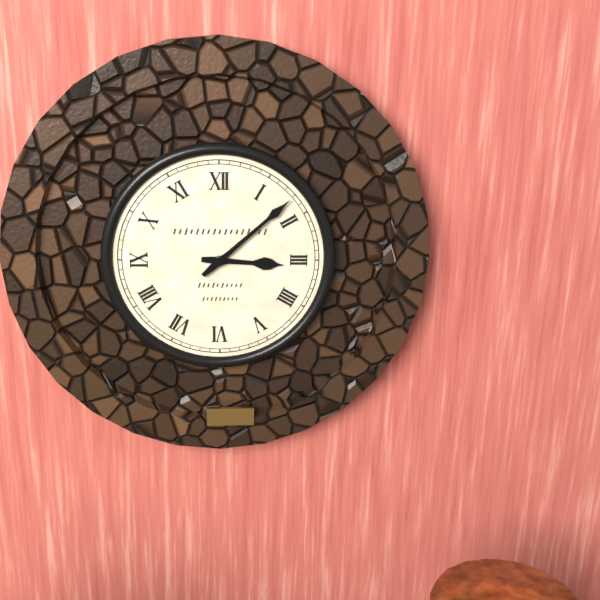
3:08
